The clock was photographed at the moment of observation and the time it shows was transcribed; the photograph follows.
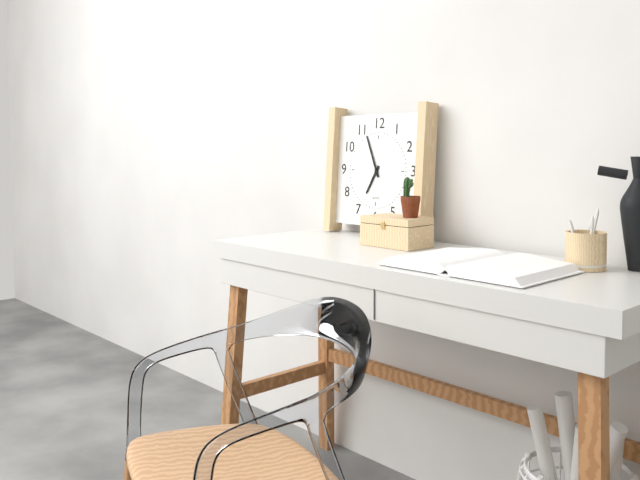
6:56
